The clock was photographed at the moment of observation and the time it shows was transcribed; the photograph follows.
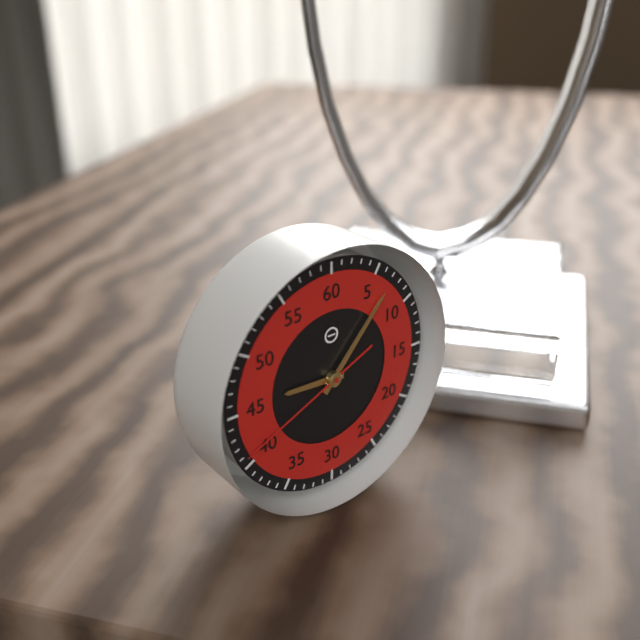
9:07:41
